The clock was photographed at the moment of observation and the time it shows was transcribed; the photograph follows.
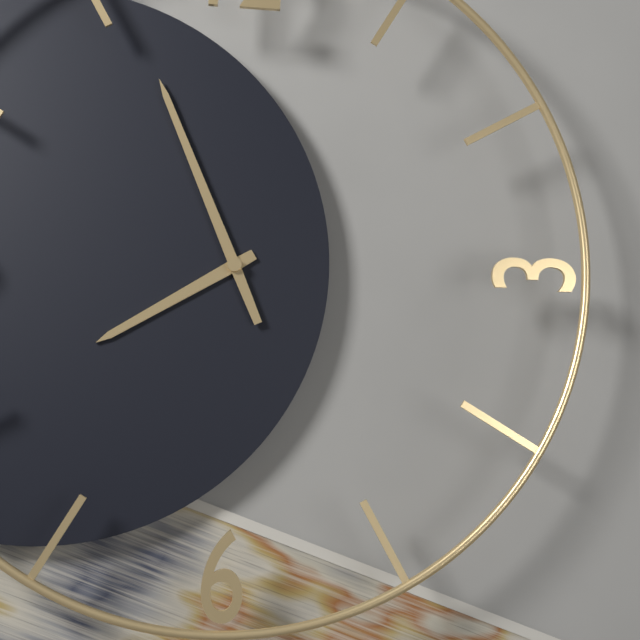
7:56
